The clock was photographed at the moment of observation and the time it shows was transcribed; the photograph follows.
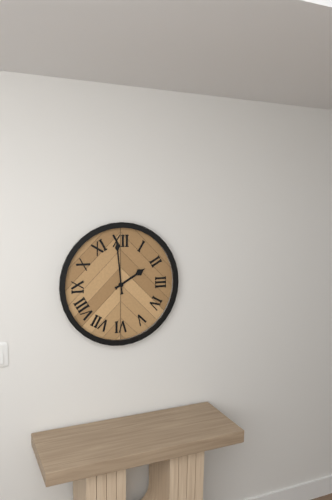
1:59
